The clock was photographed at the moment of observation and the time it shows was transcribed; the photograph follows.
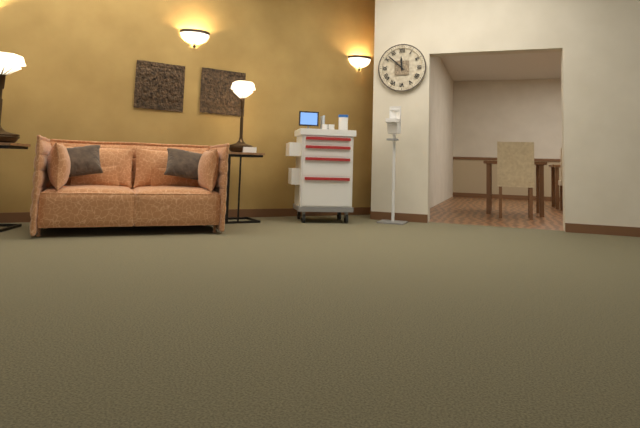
11:52
